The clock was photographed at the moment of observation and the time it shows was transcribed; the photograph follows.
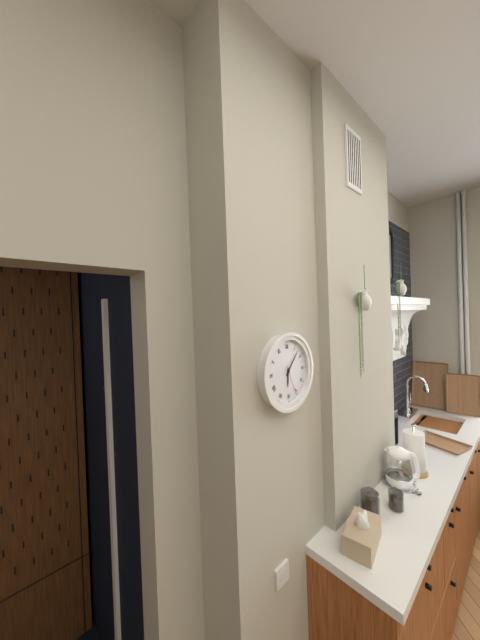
6:07
